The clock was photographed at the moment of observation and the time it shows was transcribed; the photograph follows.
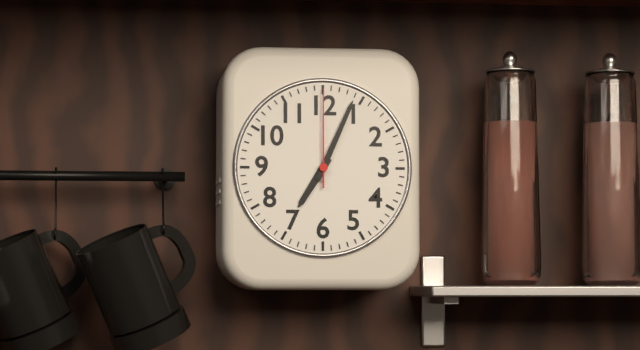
7:04:00
